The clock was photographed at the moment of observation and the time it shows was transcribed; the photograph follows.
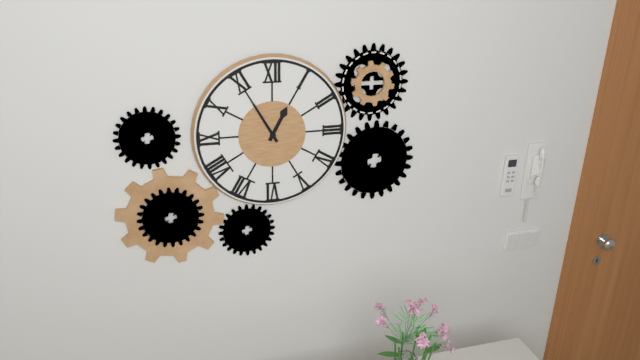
12:55
